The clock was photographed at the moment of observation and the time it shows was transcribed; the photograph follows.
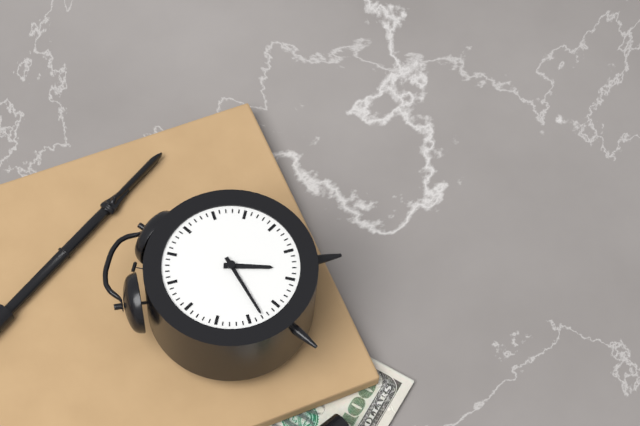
5:38
